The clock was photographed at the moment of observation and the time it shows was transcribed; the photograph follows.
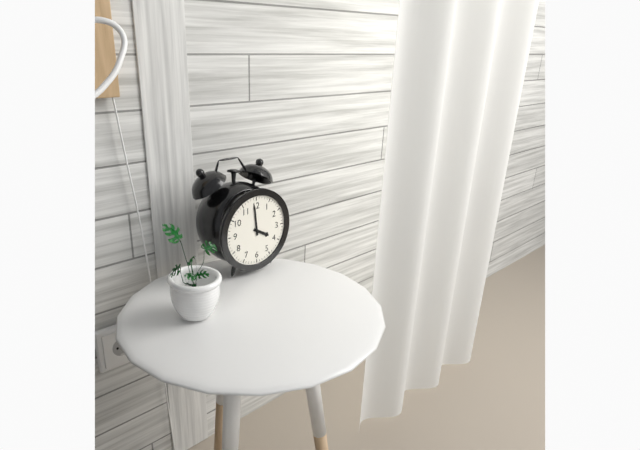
3:59
